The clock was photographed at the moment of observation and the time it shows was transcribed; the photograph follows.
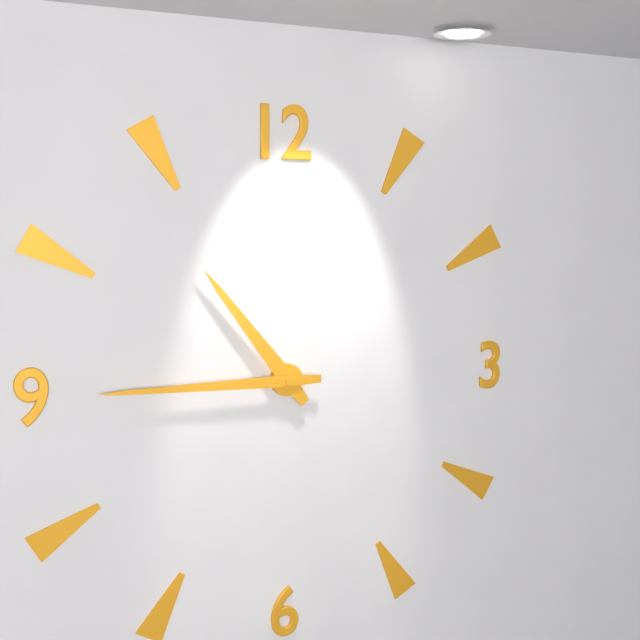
10:45
